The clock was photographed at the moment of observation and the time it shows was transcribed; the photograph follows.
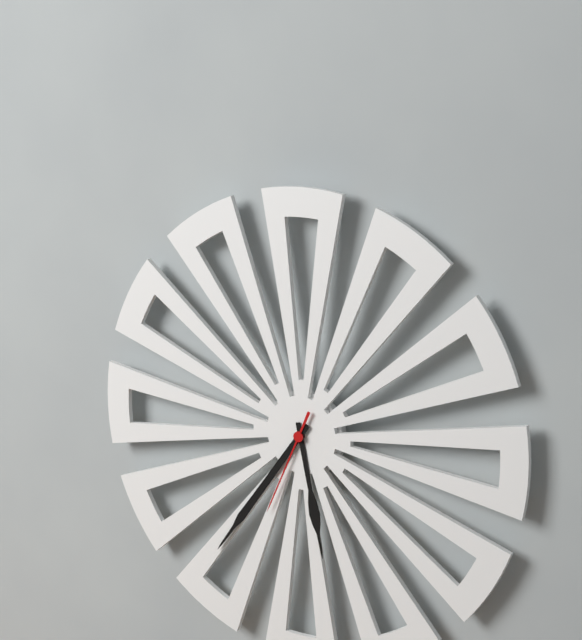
5:36:34
